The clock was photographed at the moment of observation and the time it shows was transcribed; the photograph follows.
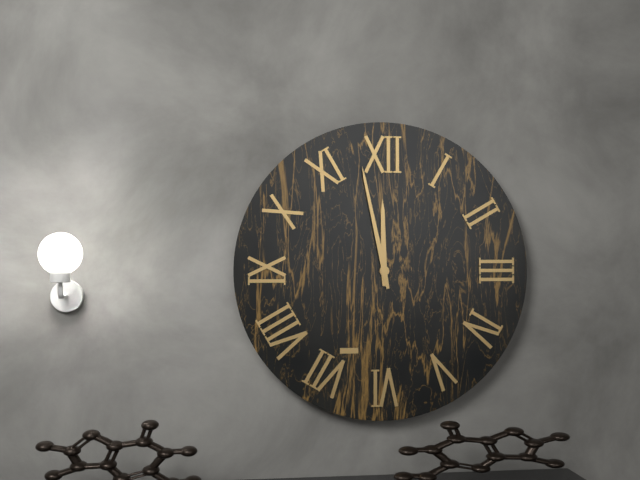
11:58
